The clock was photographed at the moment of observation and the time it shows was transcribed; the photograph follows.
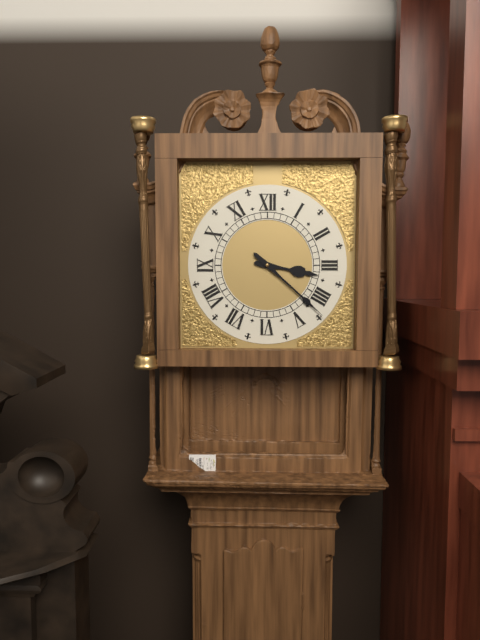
3:22
